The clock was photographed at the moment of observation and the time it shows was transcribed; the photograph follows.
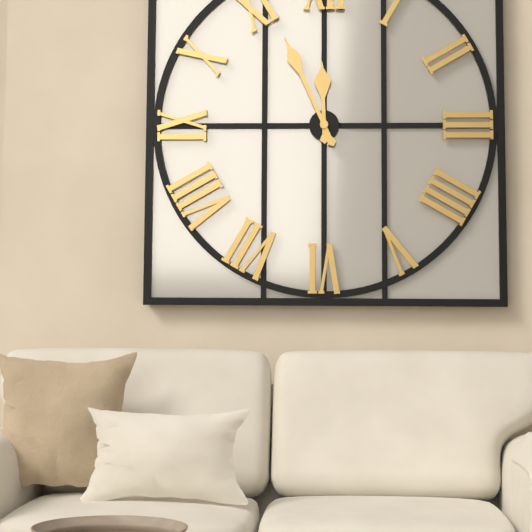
11:56
